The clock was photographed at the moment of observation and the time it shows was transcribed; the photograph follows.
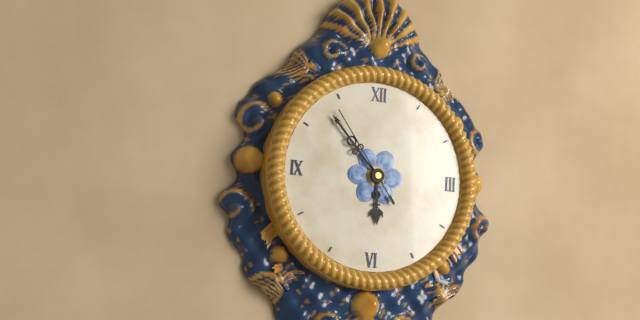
5:53:54
